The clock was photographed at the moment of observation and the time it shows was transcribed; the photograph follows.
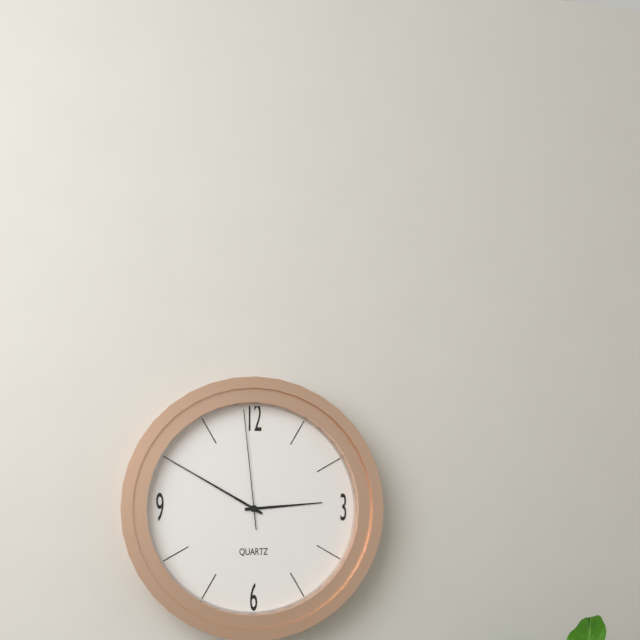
2:50:59
